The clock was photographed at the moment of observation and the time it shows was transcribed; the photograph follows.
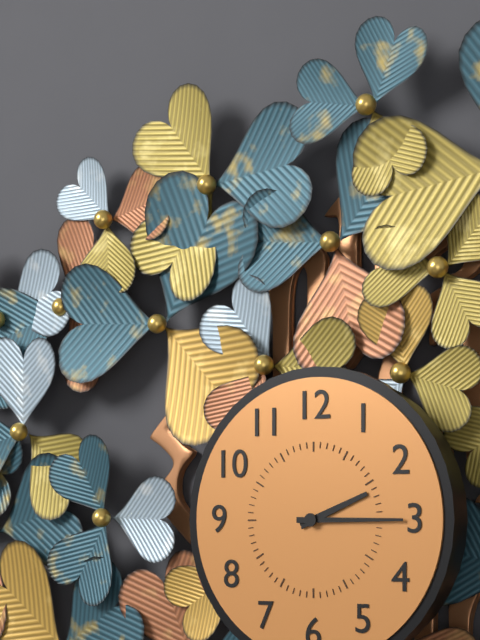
2:15
